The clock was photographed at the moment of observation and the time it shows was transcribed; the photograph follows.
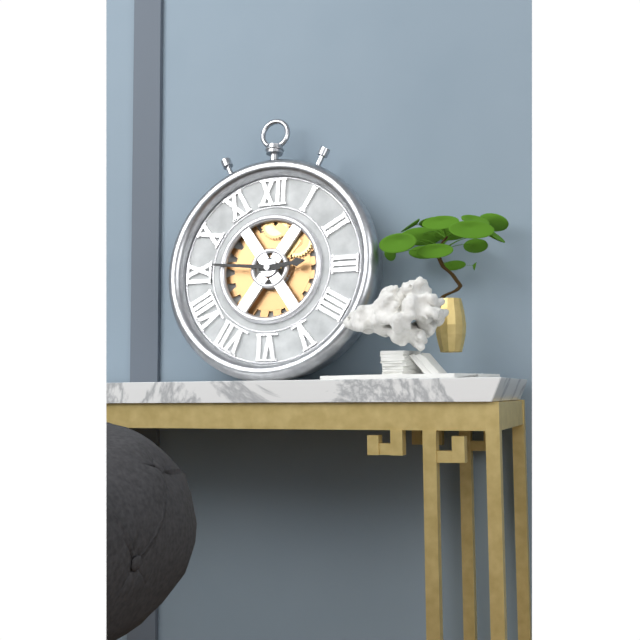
2:46
